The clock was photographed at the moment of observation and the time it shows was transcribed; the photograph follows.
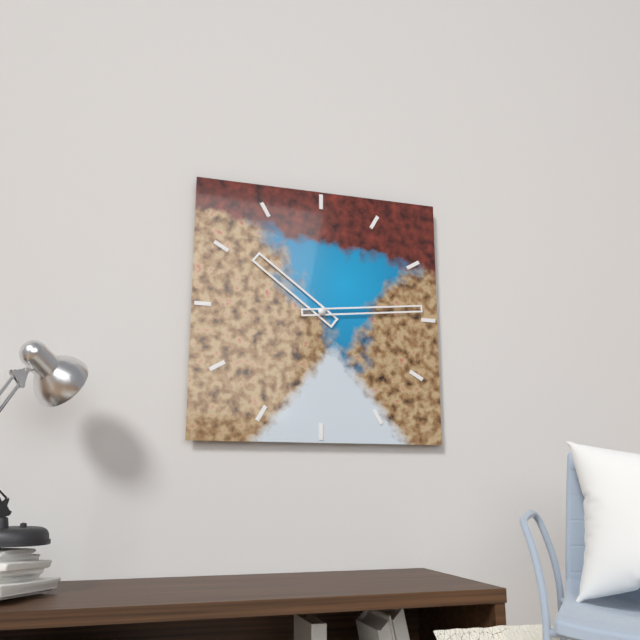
10:14
